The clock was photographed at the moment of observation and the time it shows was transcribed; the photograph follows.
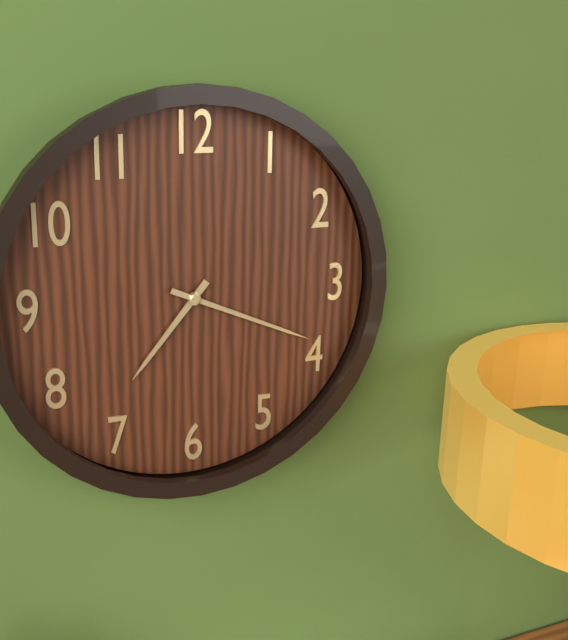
7:19
